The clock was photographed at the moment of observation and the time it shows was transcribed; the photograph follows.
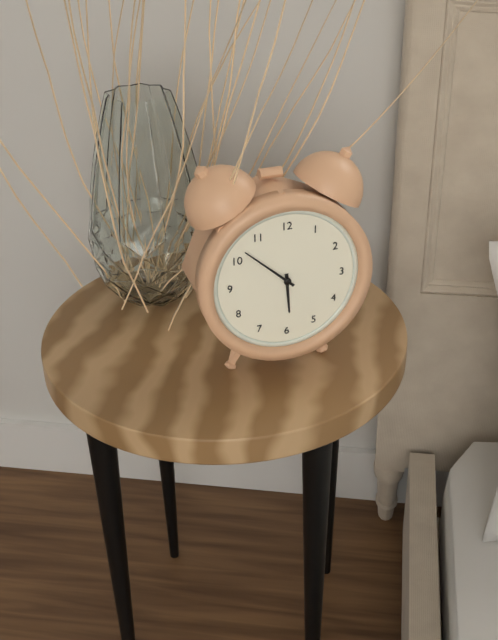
5:52
